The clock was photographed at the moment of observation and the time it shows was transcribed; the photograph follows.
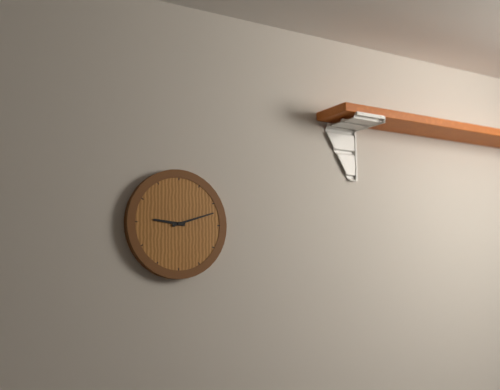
9:12
